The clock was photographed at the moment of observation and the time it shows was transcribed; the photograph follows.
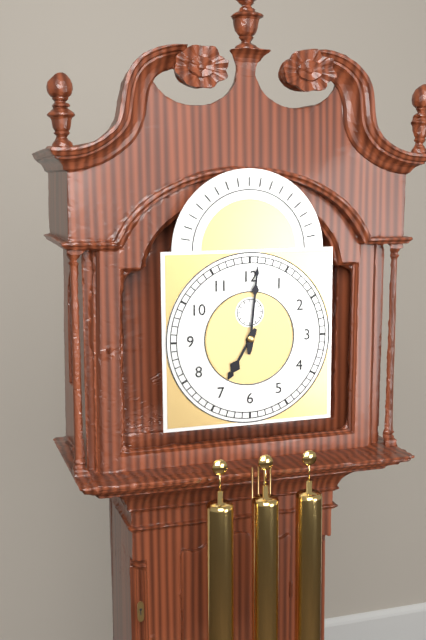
7:01
